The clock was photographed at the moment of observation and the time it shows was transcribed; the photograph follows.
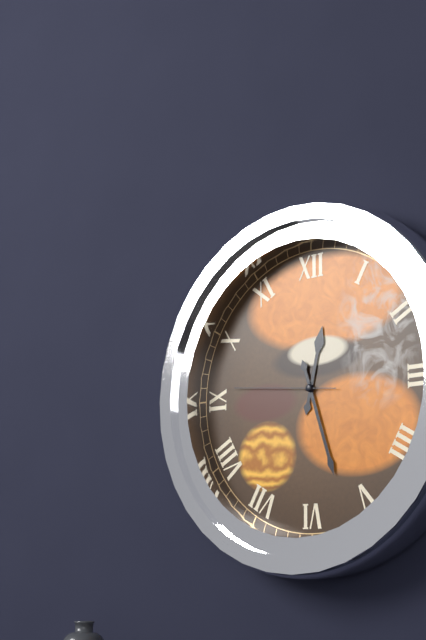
12:27:46
